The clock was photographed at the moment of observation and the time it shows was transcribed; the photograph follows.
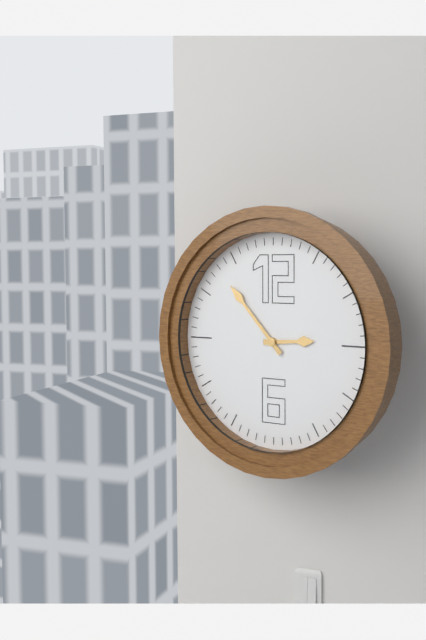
2:53
